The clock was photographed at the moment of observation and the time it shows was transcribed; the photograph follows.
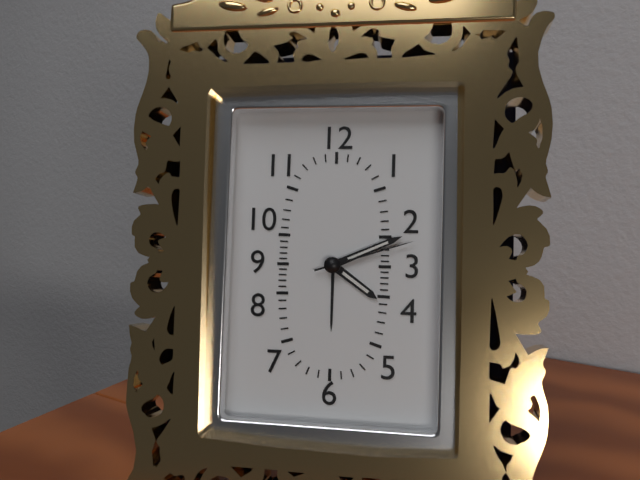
4:11:12
